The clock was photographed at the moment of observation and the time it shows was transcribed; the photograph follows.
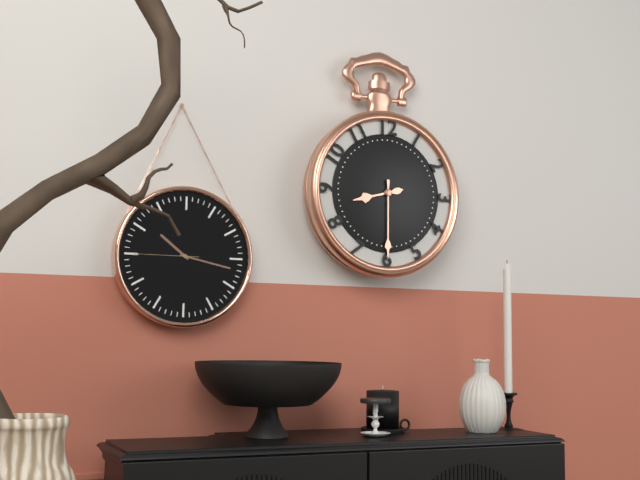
8:30
